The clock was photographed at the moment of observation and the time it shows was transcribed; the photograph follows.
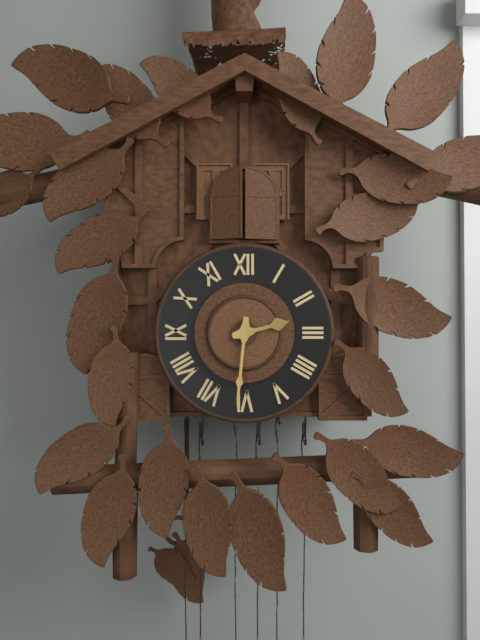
2:31
